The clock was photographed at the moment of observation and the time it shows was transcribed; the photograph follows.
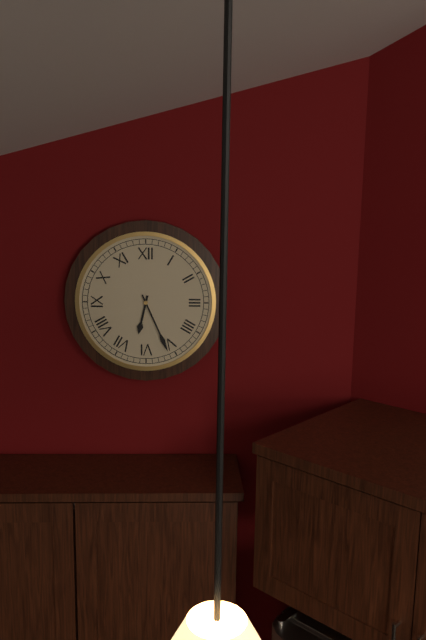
6:26
